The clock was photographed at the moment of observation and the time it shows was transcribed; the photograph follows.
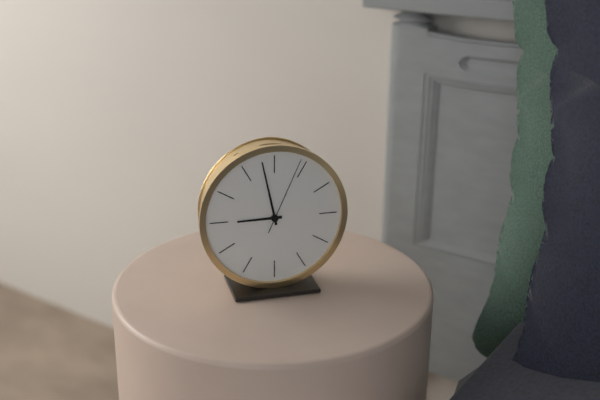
8:58:04
